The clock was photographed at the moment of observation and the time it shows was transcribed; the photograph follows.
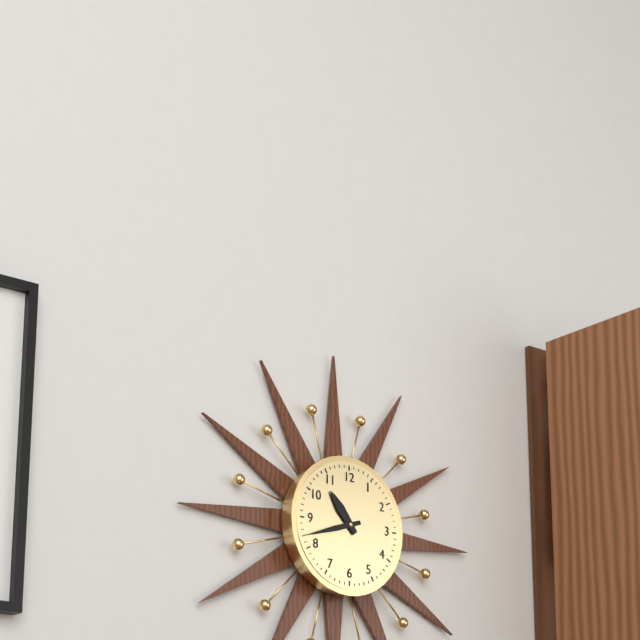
10:42
